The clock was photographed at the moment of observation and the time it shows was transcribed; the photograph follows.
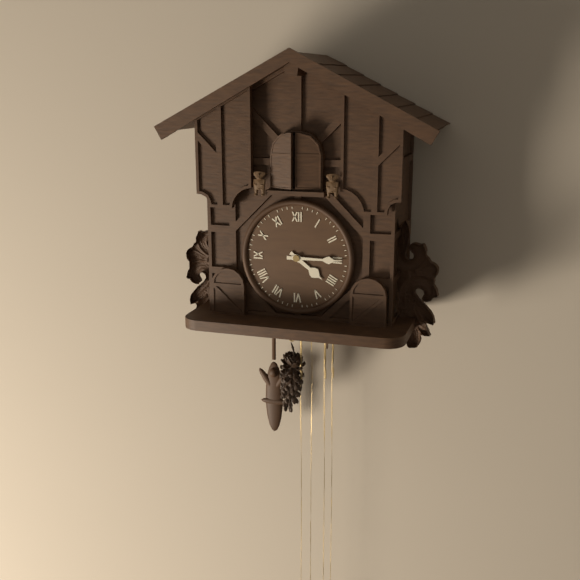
4:15
